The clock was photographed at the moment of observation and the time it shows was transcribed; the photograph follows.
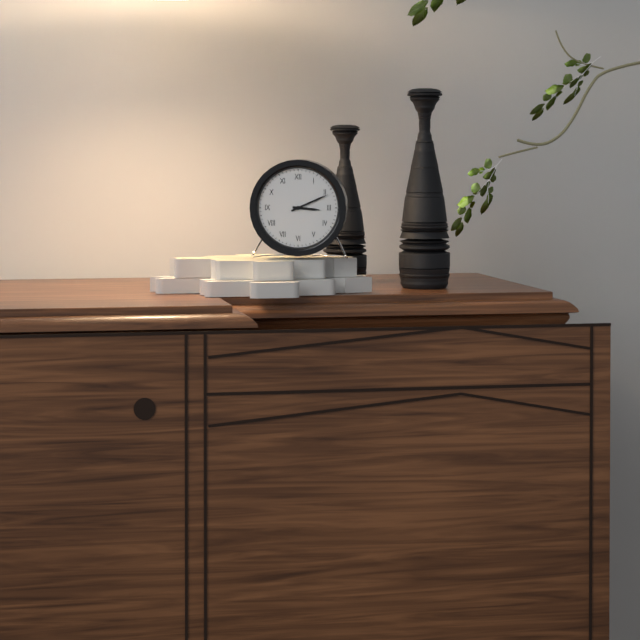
3:11
